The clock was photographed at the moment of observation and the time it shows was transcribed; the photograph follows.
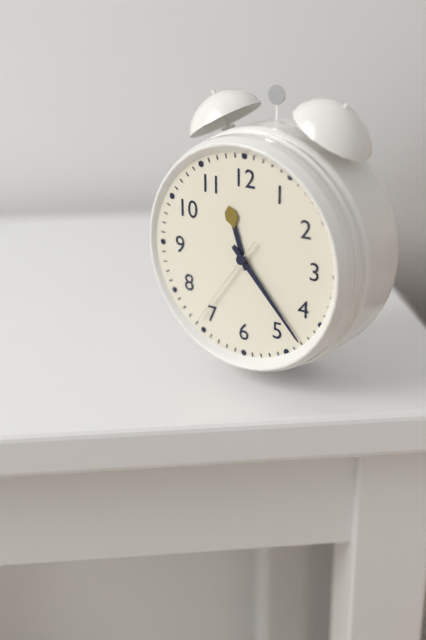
11:23:36
